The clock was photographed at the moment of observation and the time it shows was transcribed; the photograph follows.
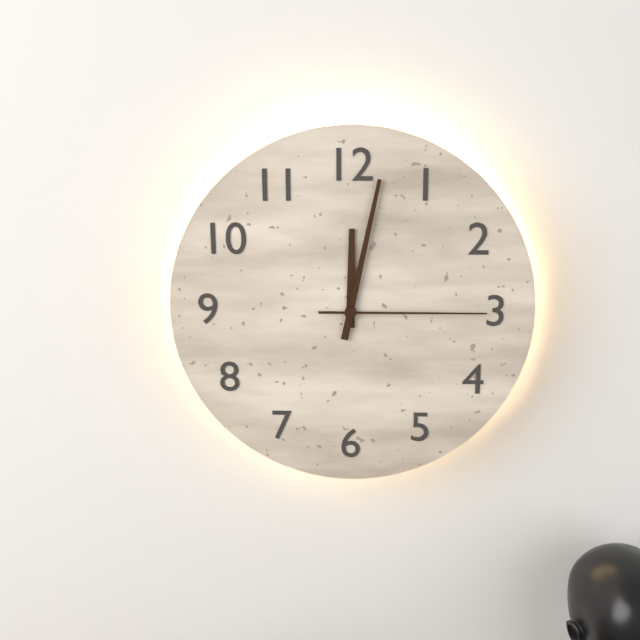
12:02:15
